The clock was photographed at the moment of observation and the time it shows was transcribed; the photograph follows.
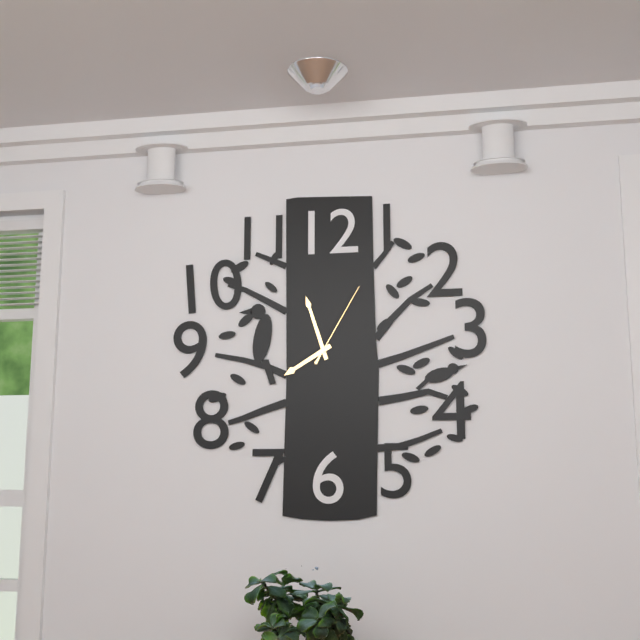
7:57:05
